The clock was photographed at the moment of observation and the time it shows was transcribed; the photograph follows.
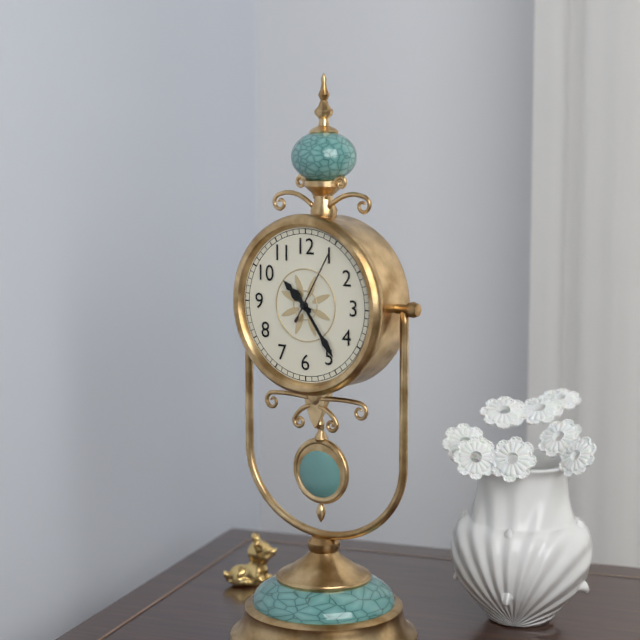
10:24:05
